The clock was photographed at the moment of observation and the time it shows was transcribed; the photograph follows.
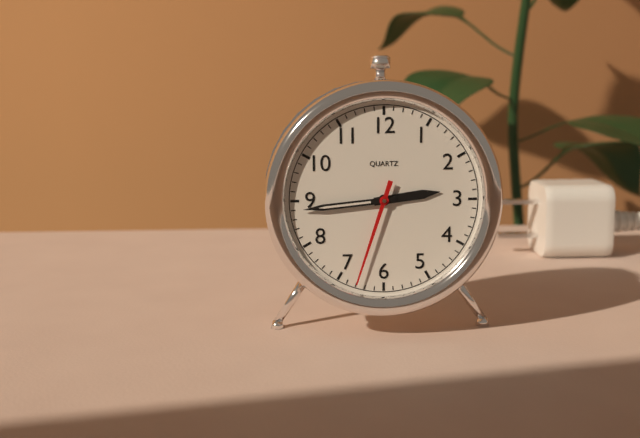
2:44:33
